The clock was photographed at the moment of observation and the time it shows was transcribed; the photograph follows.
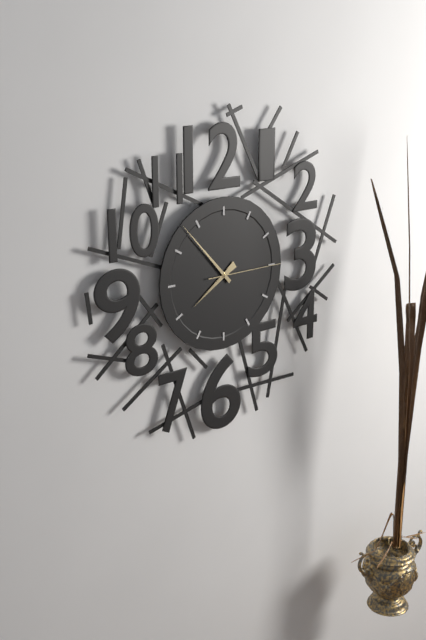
7:53:15
